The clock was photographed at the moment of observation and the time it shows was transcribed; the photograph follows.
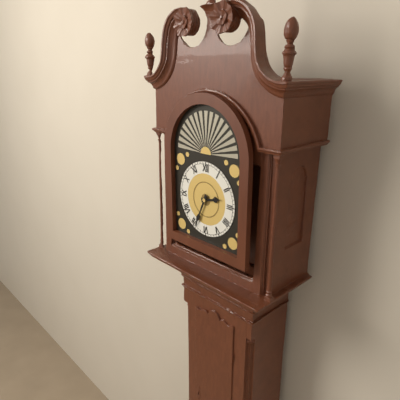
2:34
